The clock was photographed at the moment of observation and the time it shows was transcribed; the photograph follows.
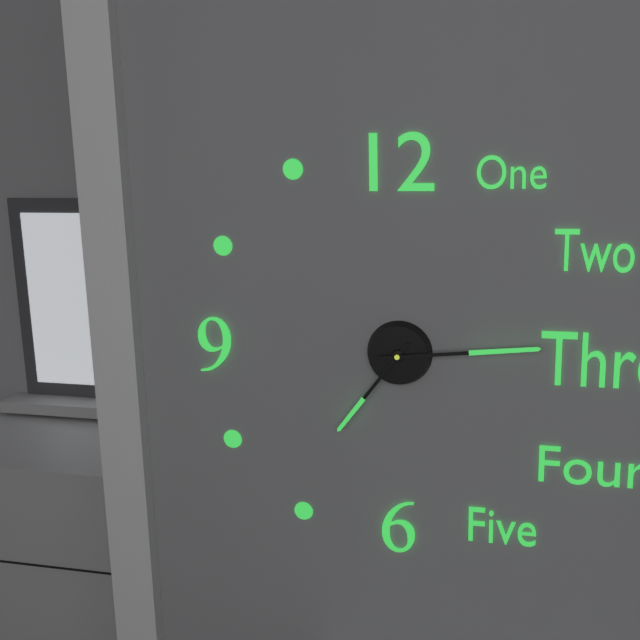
7:14
